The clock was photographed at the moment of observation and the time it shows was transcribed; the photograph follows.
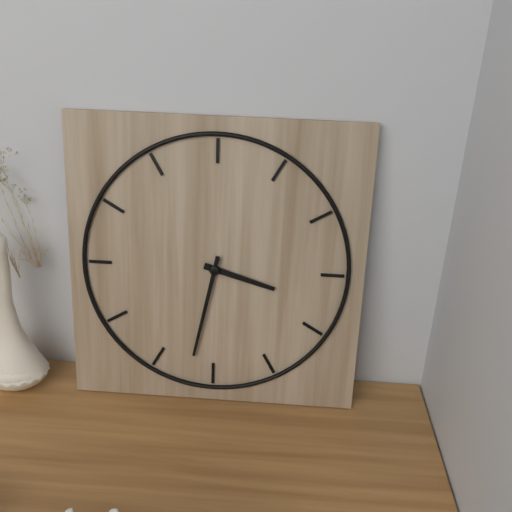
3:32
